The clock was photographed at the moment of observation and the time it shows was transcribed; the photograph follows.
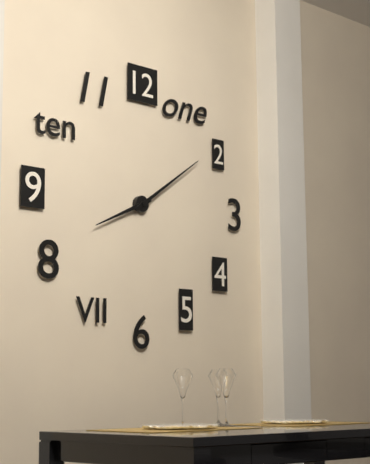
8:09
